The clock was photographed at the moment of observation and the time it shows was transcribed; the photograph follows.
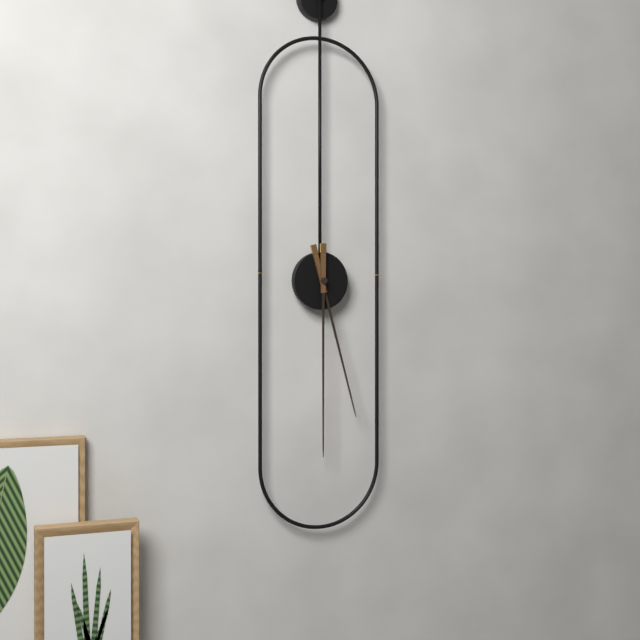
5:30
